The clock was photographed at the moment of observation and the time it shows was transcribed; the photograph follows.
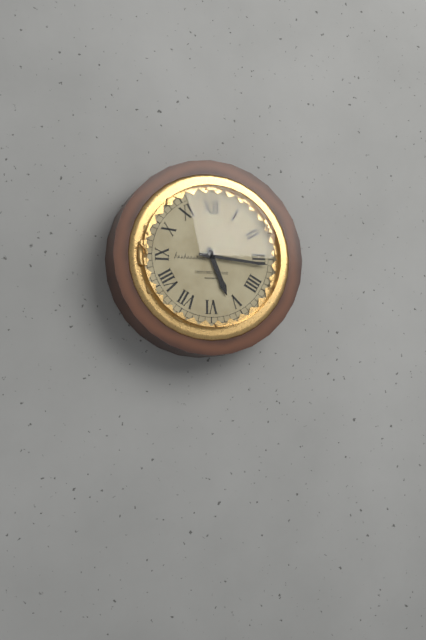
5:16
